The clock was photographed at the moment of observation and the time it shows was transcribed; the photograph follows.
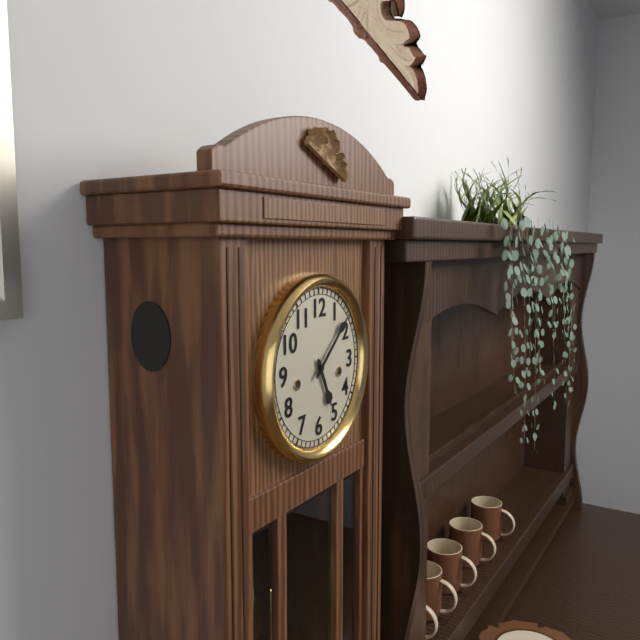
5:08
